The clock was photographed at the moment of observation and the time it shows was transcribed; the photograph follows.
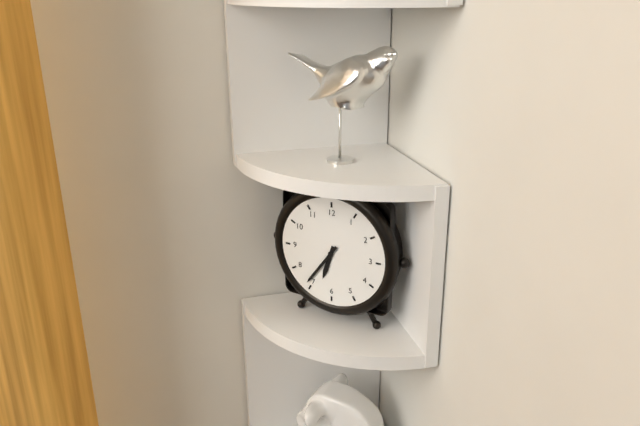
6:36
